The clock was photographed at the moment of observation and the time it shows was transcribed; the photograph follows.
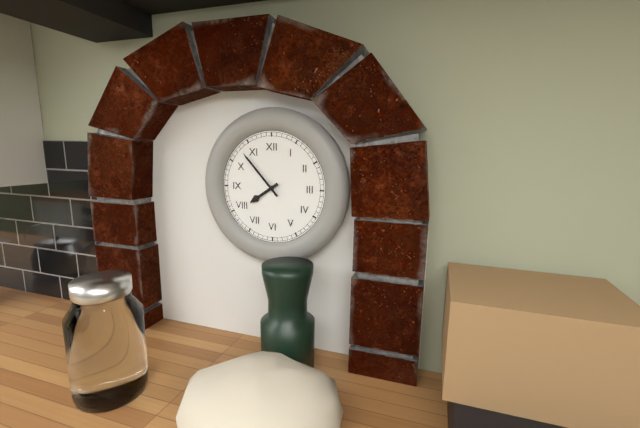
7:53
